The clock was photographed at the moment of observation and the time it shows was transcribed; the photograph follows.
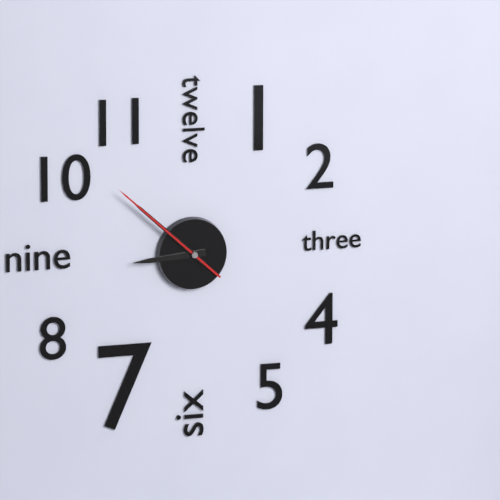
8:52:52
